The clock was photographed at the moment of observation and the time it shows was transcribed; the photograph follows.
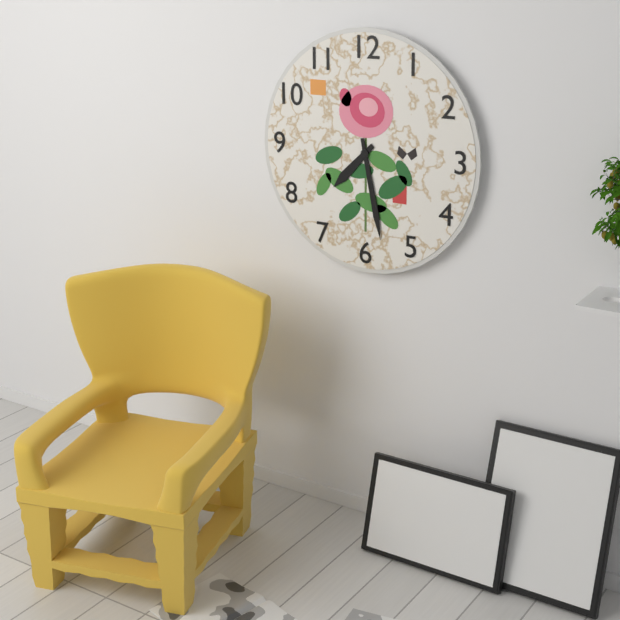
7:28
